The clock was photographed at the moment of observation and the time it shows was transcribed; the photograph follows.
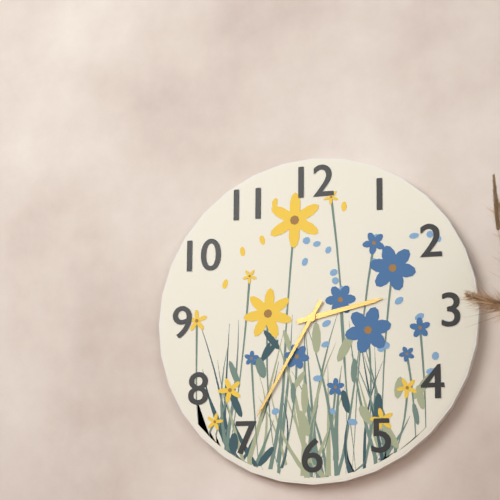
2:35
